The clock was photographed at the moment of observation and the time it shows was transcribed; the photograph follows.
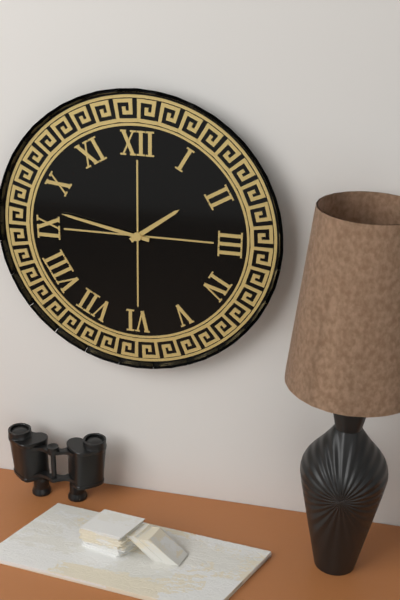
1:47
